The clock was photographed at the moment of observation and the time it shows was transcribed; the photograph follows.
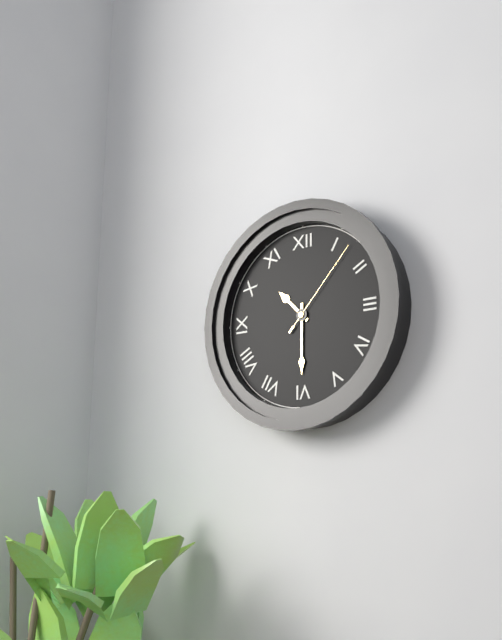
10:30:07
